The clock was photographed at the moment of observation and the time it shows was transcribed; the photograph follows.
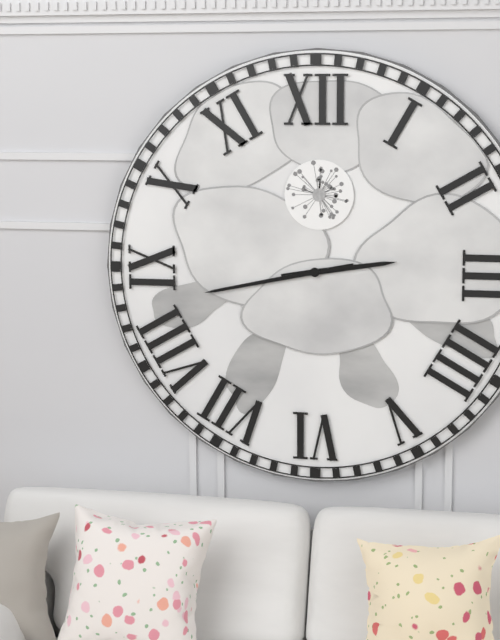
2:43
